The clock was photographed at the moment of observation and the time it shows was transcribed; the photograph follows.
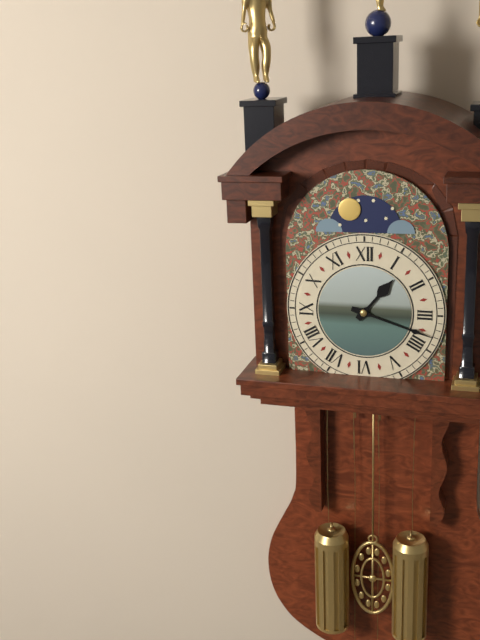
1:18
